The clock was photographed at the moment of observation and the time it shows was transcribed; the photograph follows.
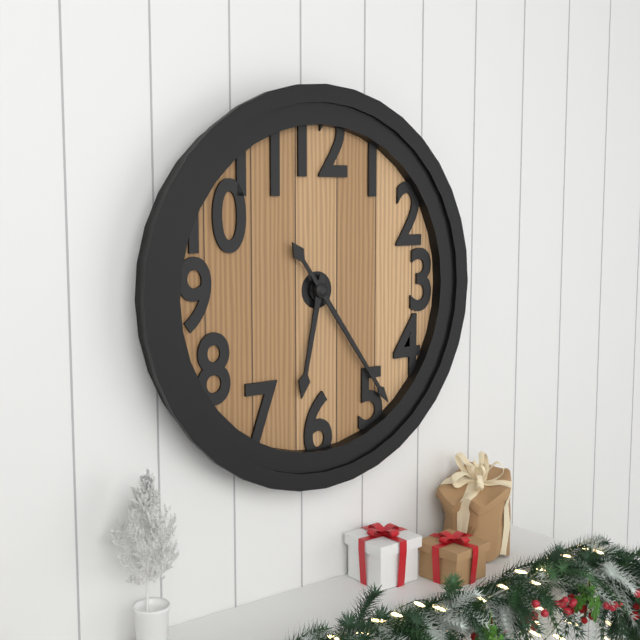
6:24
